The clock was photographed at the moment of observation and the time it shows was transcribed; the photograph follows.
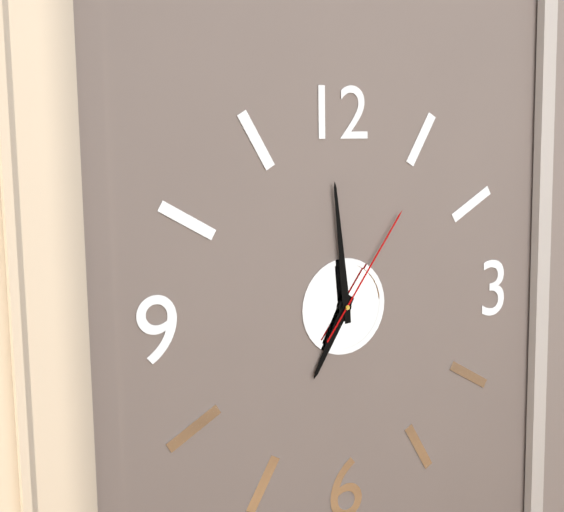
6:59:06
